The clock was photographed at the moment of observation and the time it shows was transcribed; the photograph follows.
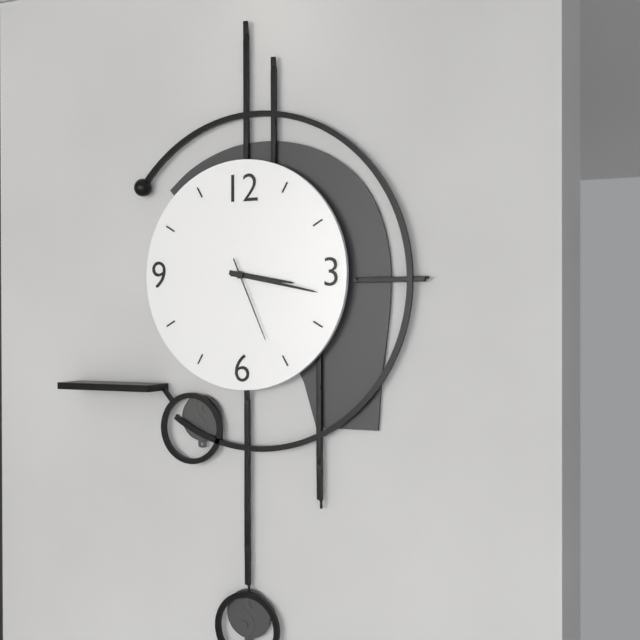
3:17:26
